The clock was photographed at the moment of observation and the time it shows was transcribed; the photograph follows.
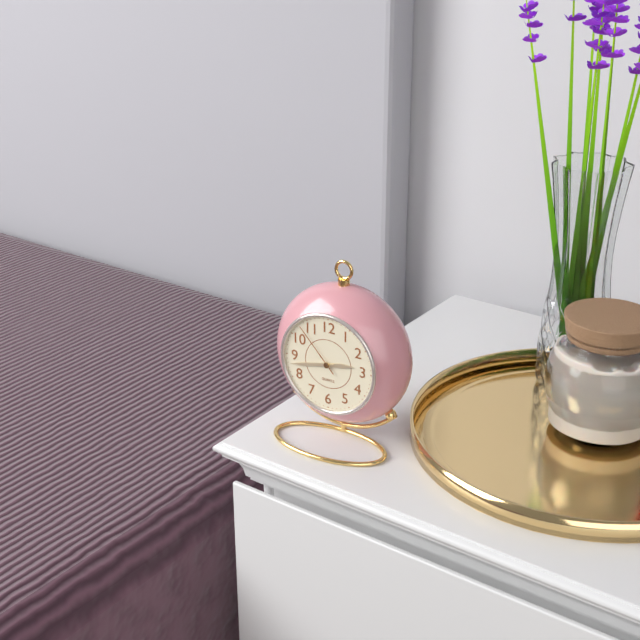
2:43:53
